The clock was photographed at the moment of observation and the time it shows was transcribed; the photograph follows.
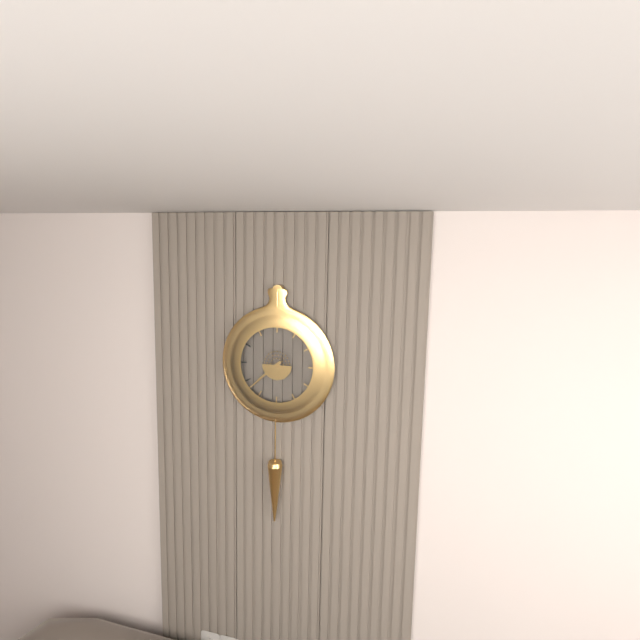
7:38
